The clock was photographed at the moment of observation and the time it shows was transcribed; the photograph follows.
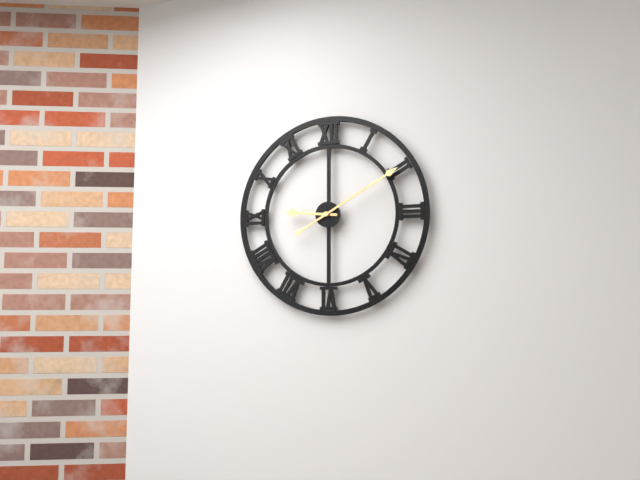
9:10
